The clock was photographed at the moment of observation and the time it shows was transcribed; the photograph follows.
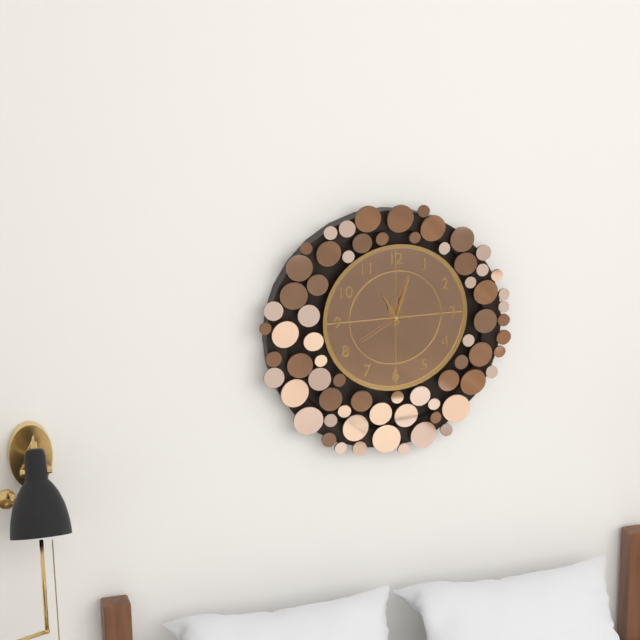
11:03:40
